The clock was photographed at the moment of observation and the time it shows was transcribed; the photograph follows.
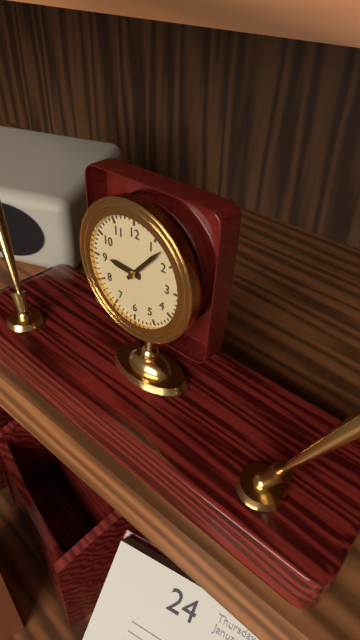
9:07
